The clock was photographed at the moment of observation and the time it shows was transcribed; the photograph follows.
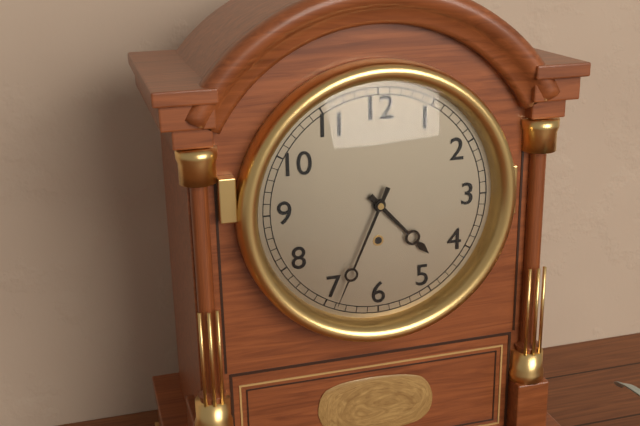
4:34
